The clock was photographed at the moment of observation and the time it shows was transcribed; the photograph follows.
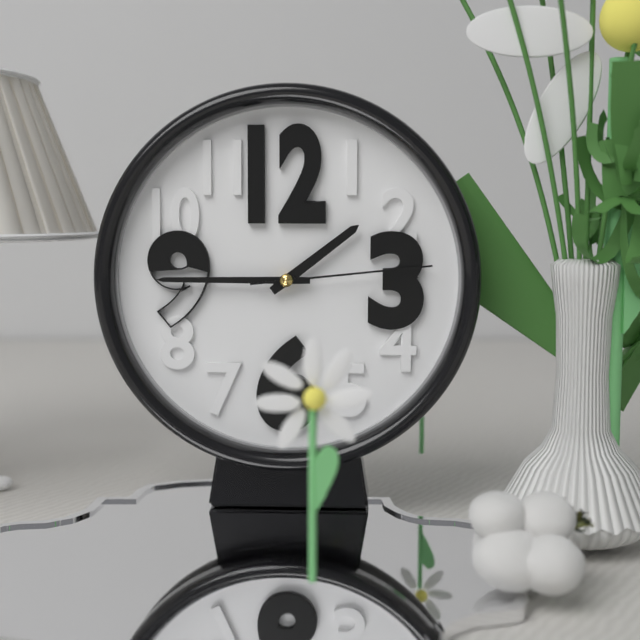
1:45:14
